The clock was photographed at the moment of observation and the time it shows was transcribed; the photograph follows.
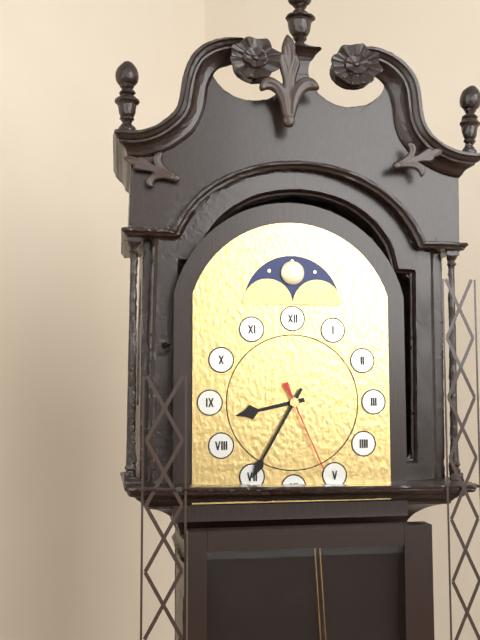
8:35:26
